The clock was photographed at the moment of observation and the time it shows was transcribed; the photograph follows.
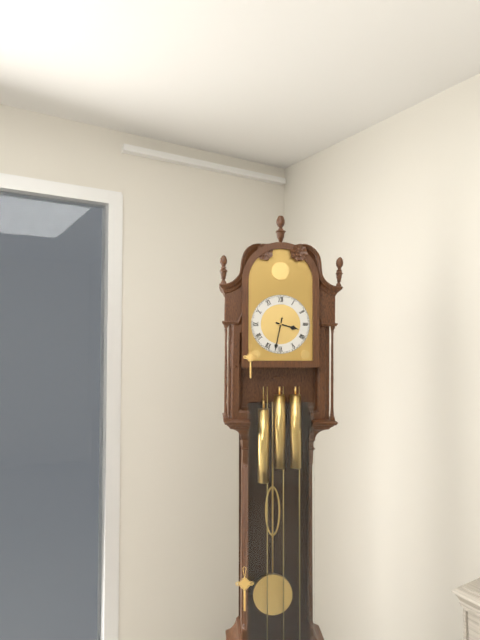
3:32
